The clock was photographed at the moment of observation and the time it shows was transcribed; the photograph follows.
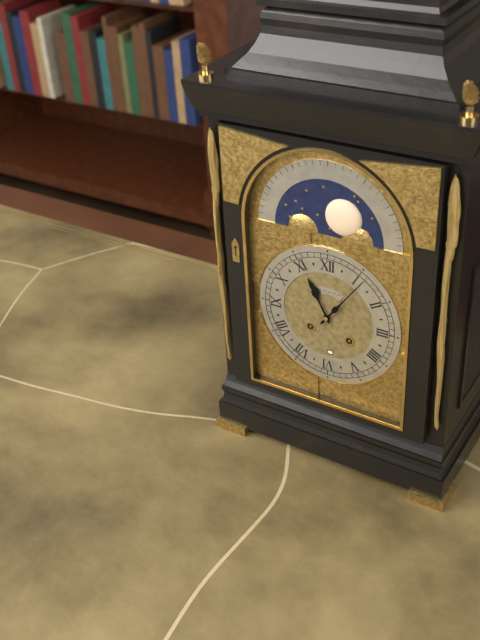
11:06
